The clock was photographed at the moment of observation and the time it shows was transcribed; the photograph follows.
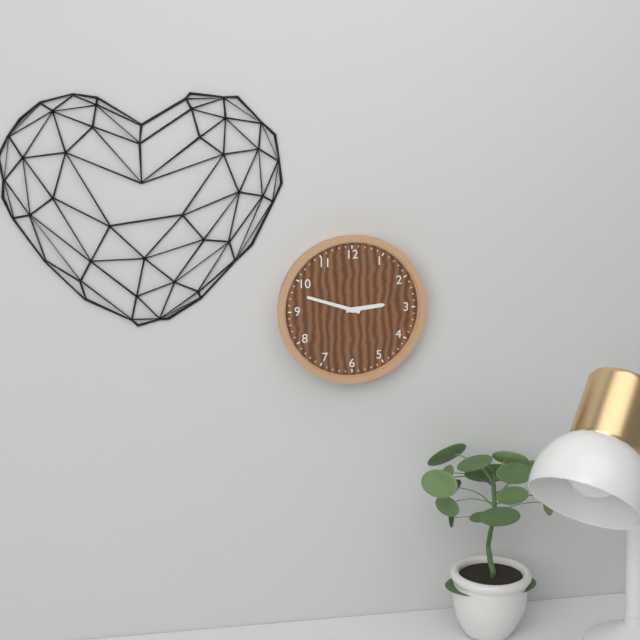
2:48
